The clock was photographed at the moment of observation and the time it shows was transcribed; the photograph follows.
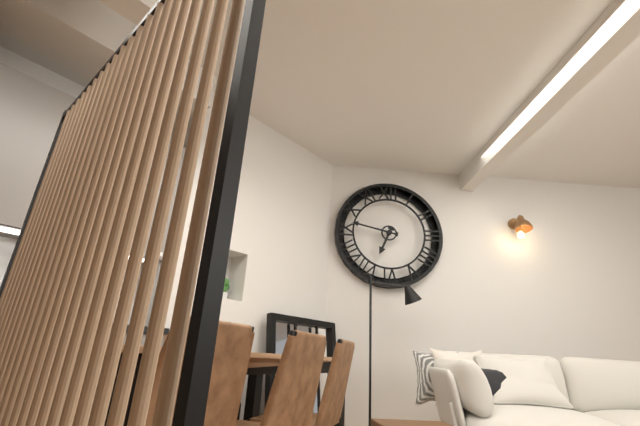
6:47
